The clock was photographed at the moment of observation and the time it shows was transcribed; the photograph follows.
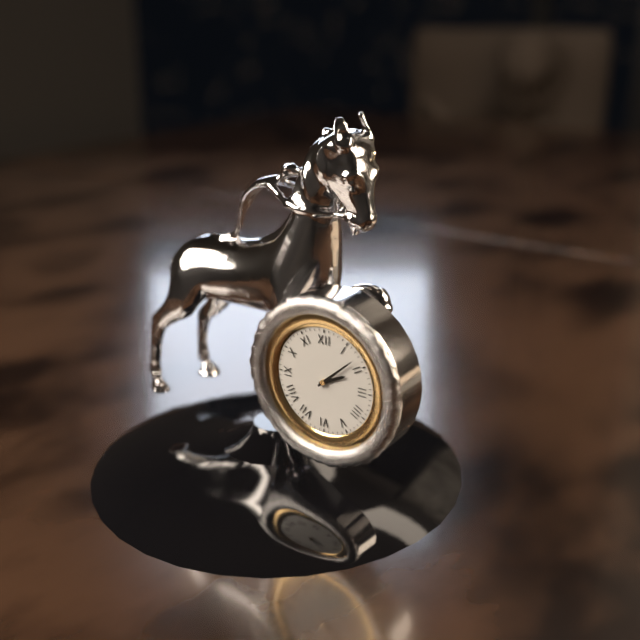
2:08
